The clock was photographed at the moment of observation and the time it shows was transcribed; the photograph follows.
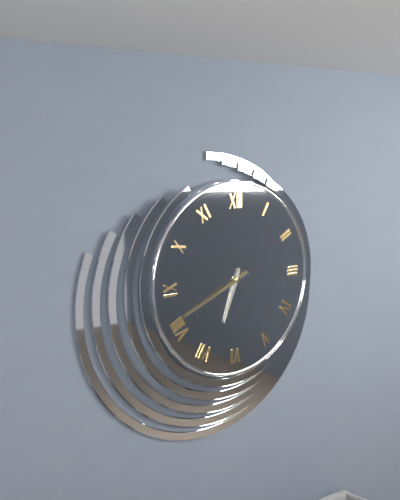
6:41
